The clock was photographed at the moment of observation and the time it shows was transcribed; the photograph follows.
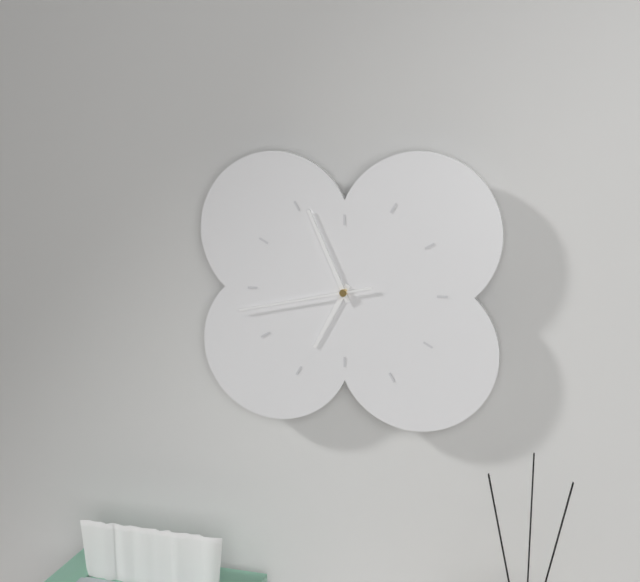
6:56:43
